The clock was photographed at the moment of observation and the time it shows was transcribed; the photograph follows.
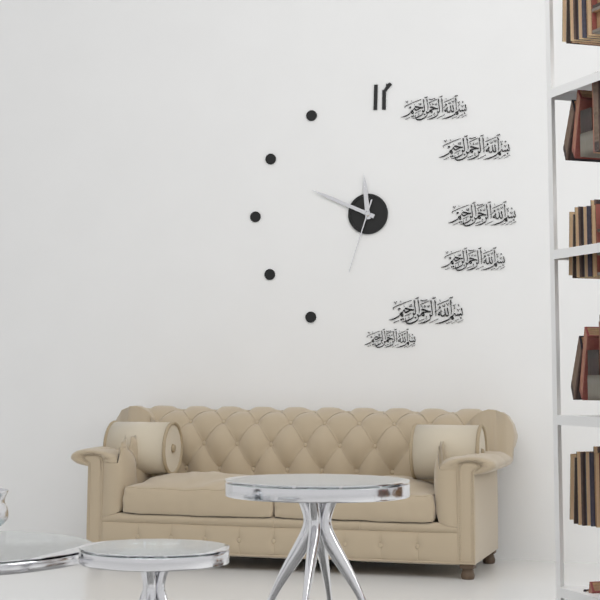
11:49:33
